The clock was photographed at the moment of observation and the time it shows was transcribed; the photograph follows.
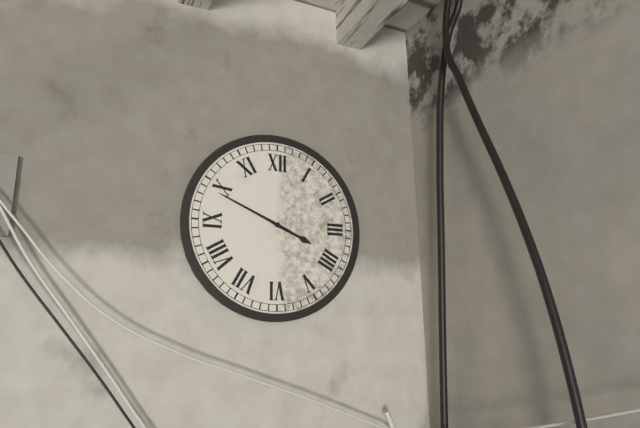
3:49
